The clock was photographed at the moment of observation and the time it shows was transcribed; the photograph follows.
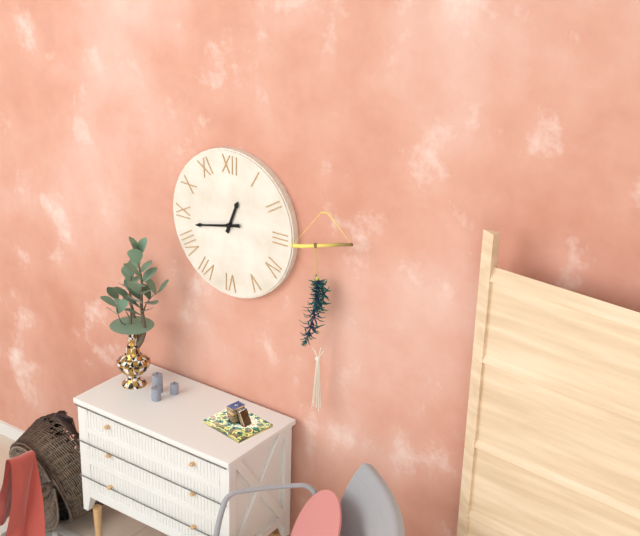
12:43
